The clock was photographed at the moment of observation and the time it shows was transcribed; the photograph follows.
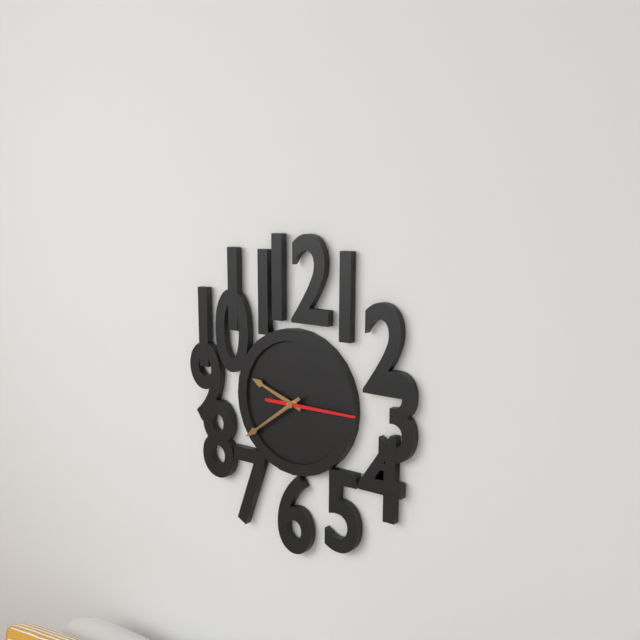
9:39:15
